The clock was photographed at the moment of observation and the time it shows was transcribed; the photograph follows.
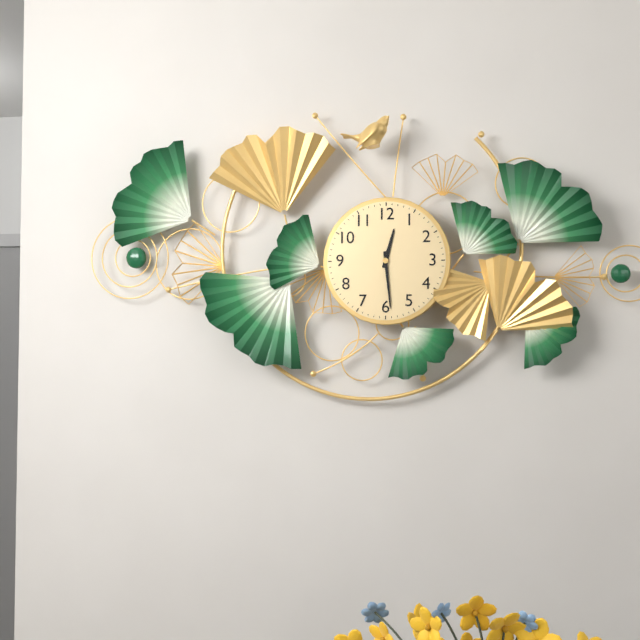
12:29
